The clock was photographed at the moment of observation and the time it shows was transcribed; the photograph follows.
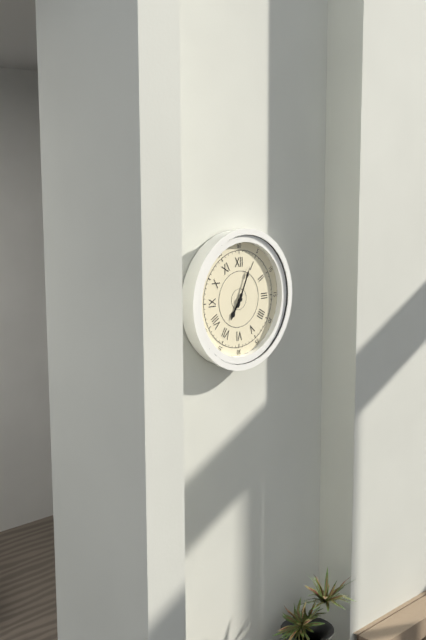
7:04
